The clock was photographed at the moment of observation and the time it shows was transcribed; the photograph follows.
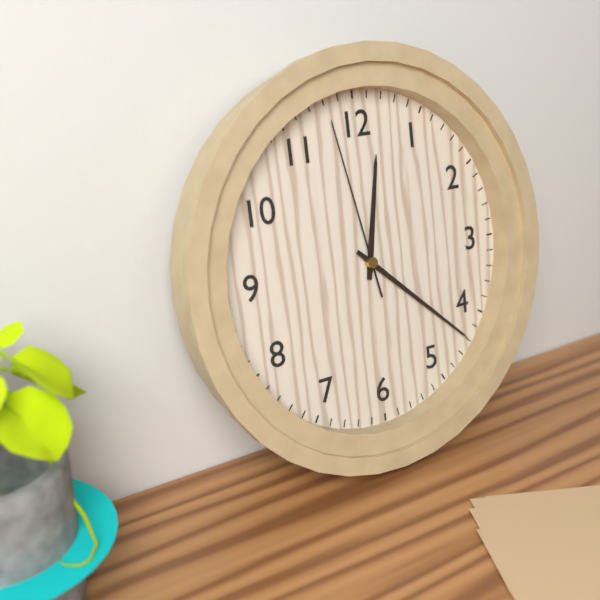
12:22:58
